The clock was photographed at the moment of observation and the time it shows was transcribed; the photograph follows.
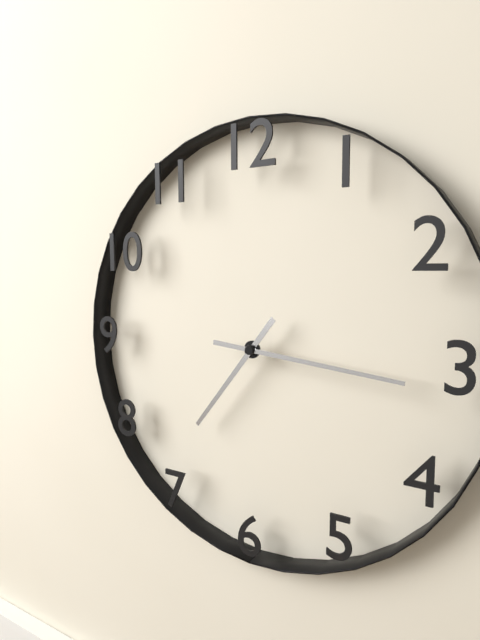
7:16
